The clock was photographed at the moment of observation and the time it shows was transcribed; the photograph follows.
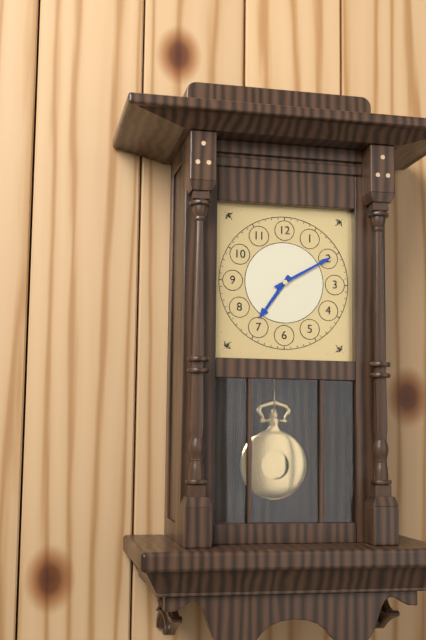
7:10
